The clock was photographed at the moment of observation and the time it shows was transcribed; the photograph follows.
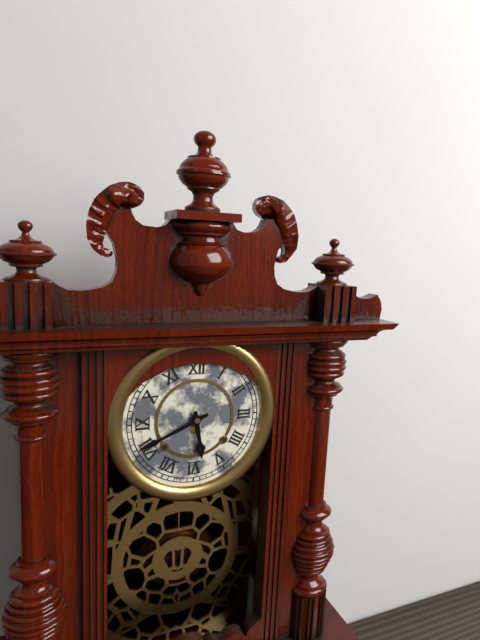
5:41
